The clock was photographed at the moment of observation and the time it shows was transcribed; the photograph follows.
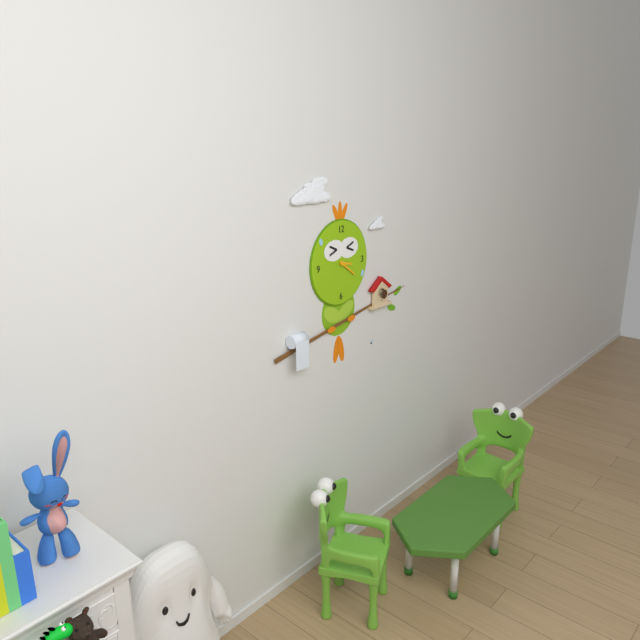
3:21
